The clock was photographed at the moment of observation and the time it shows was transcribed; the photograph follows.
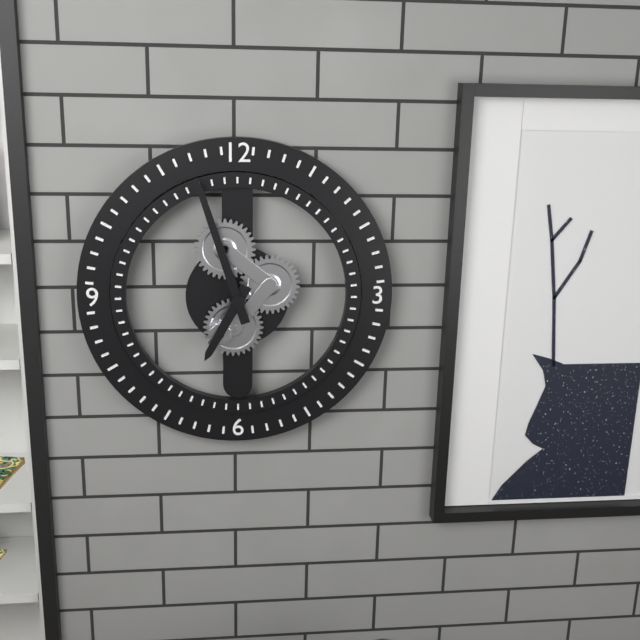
6:57
